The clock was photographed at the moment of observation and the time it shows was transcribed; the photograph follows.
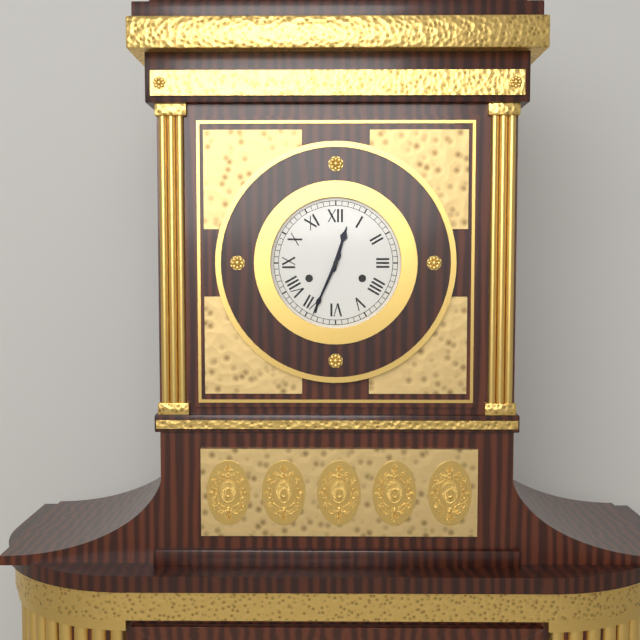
12:34
